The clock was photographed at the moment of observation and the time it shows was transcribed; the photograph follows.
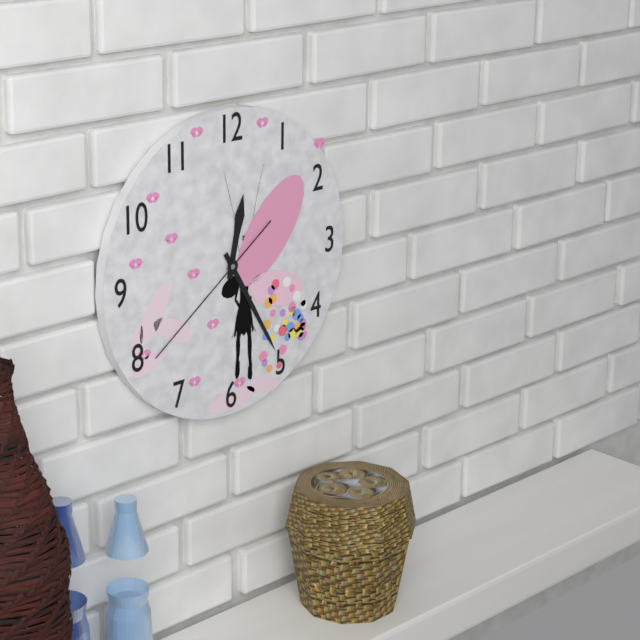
12:25:39
